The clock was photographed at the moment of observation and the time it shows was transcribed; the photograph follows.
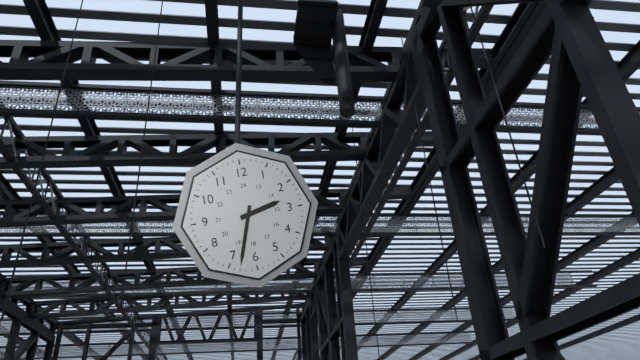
2:33
